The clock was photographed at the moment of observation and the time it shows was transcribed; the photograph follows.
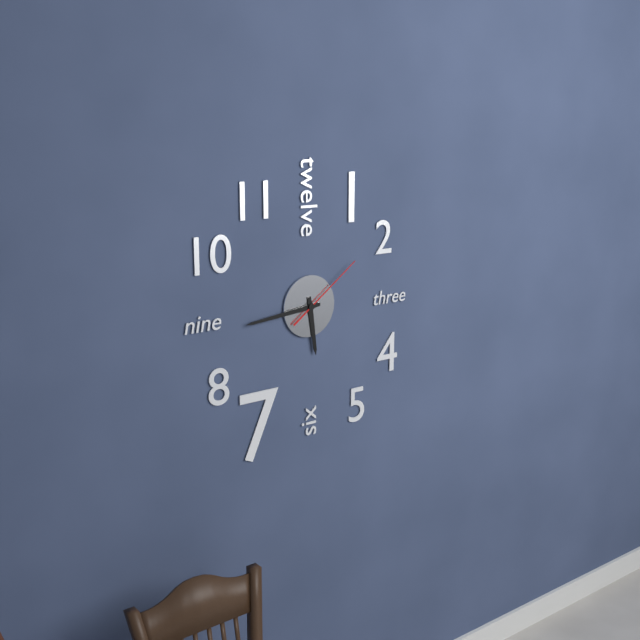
5:44:09
